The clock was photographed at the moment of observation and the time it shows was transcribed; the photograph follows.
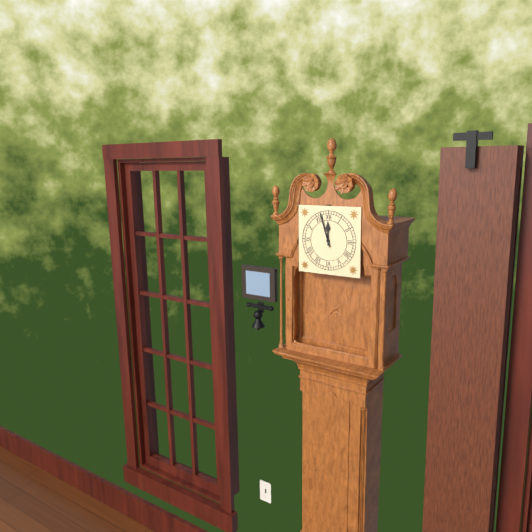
11:57
